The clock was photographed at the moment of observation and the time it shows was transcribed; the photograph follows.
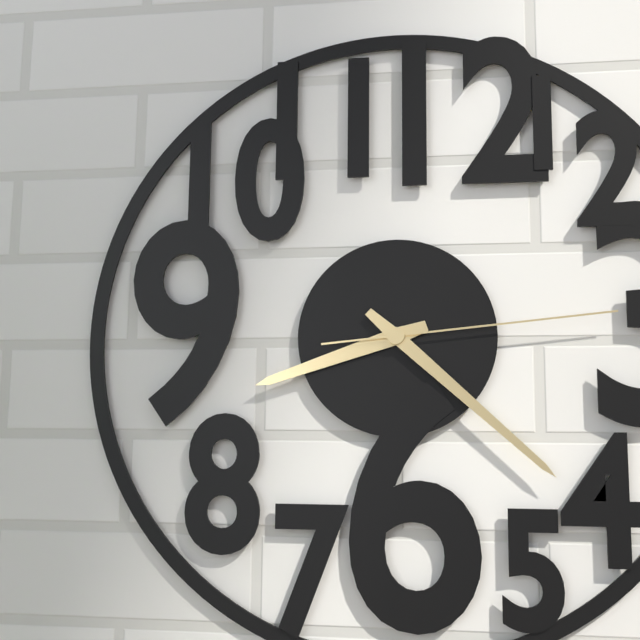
8:22:14
